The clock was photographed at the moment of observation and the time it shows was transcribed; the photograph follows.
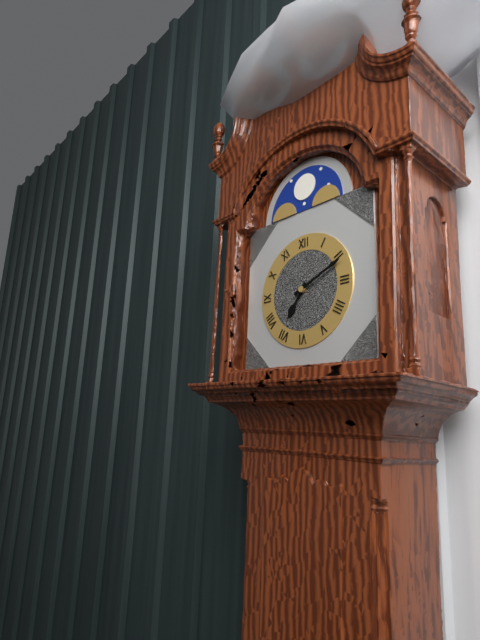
7:11
